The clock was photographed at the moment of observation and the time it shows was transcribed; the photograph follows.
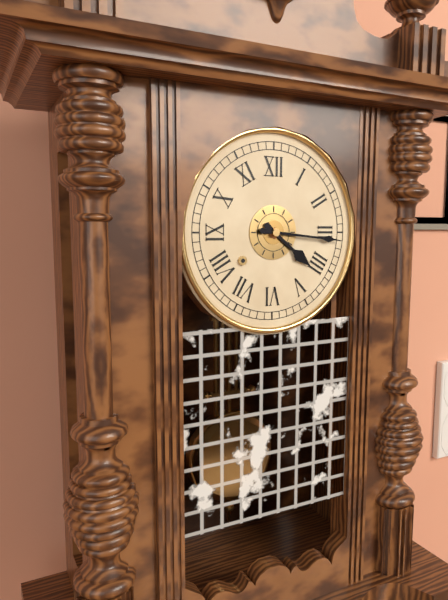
4:16
